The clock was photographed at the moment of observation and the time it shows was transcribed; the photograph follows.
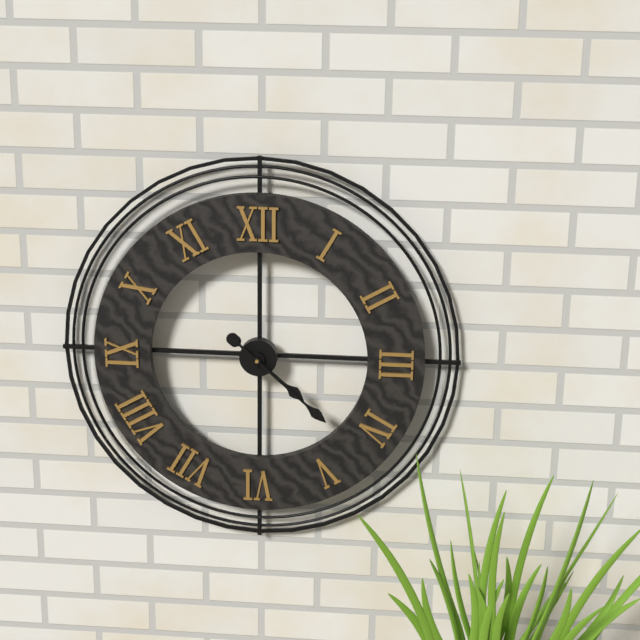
4:22
